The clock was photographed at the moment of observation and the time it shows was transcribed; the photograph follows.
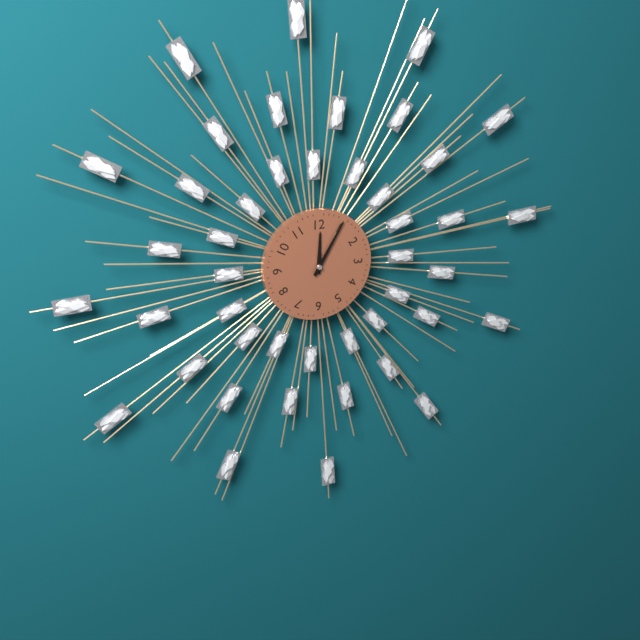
12:05
